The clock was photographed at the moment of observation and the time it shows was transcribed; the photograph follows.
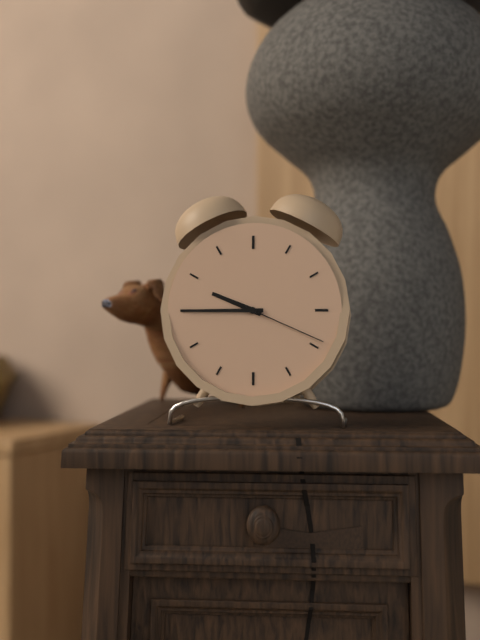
9:45:19
